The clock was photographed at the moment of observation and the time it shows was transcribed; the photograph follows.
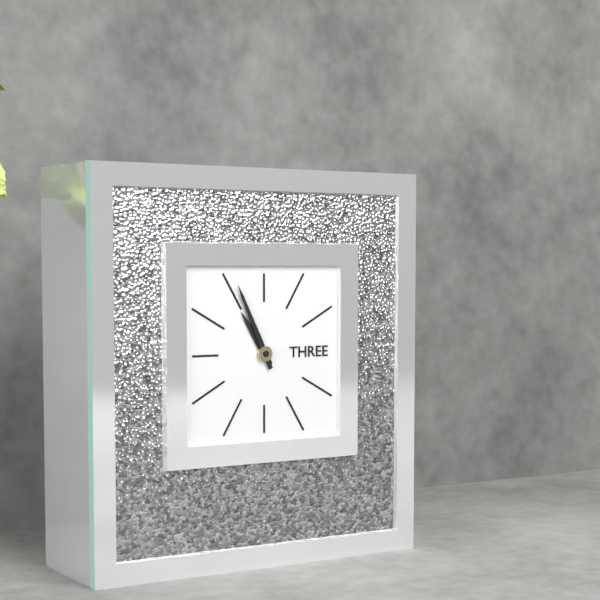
10:56
